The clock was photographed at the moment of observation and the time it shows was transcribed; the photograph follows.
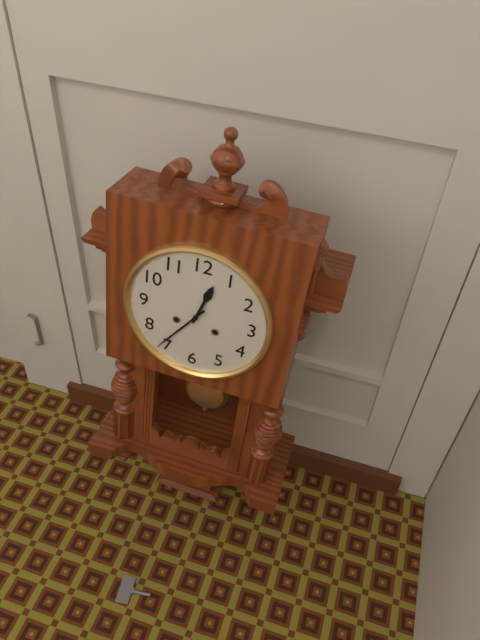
12:36
